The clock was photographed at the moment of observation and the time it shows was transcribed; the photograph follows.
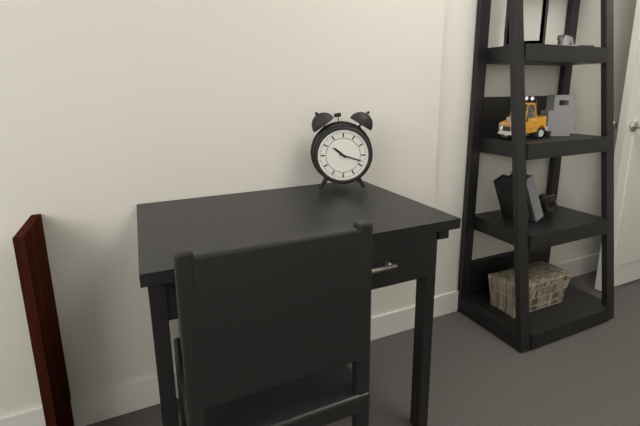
10:18
